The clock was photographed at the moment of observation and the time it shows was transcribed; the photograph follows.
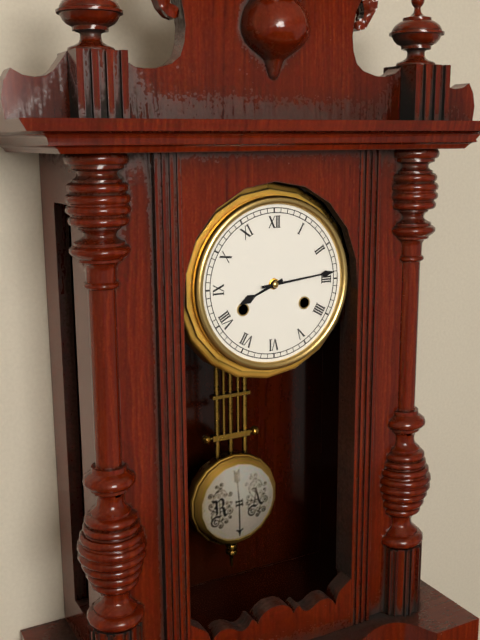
8:14
